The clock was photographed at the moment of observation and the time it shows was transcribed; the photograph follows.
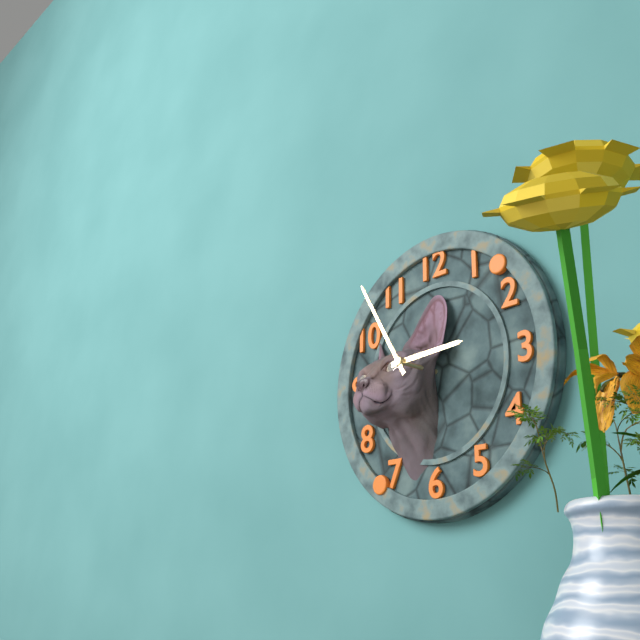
2:55
